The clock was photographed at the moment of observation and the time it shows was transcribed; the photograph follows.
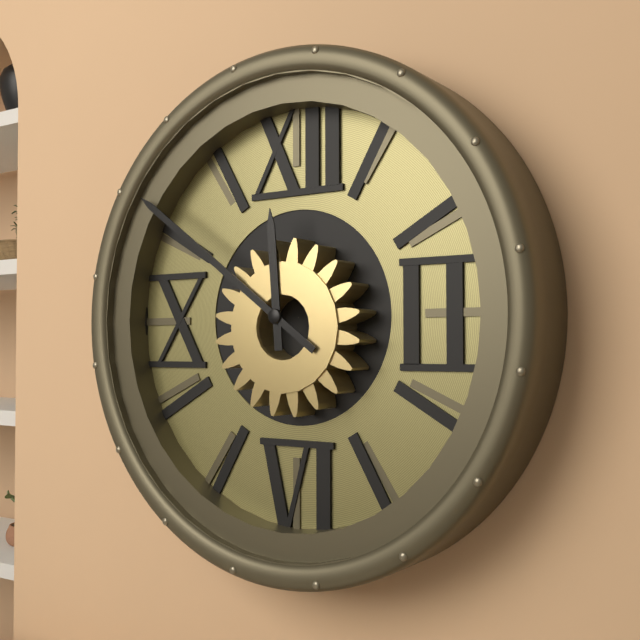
11:51
